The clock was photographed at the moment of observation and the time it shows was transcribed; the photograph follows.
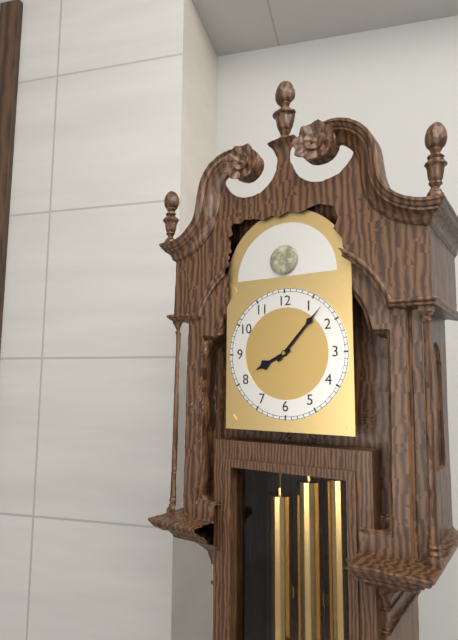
8:07
